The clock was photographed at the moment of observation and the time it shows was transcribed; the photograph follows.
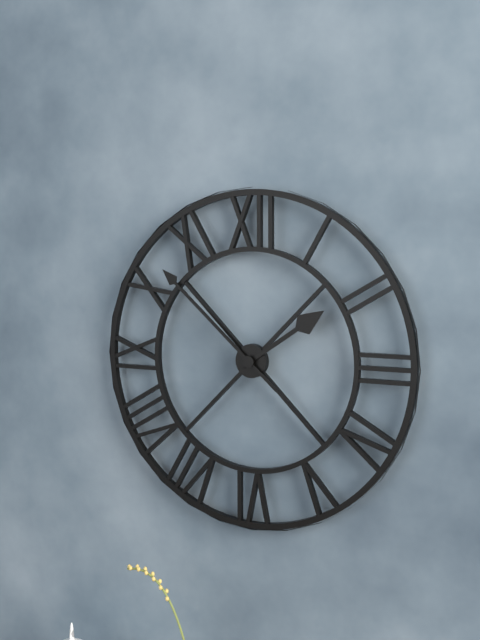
1:52
